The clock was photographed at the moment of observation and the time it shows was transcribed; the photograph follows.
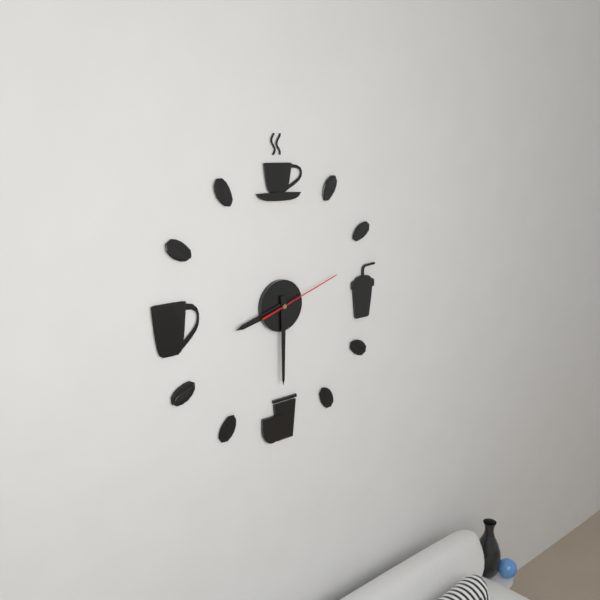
8:30:12
